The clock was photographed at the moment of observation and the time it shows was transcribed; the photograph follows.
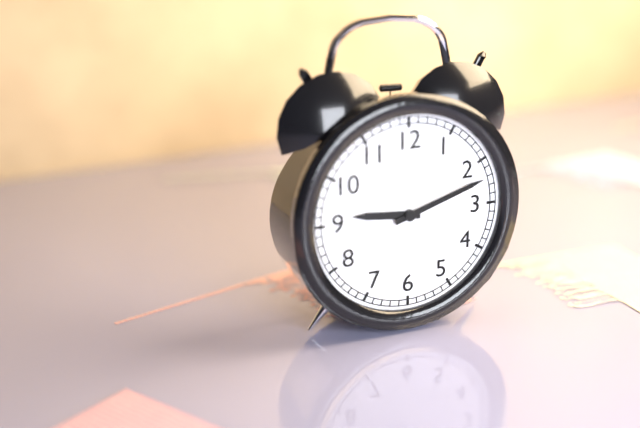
9:12
